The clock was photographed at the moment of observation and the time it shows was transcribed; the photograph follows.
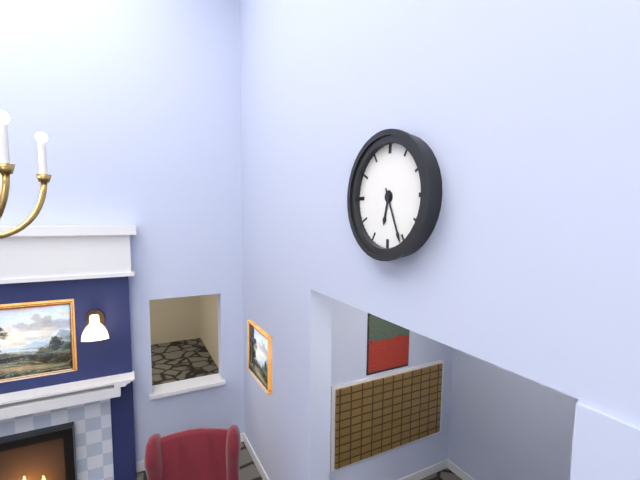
6:26
